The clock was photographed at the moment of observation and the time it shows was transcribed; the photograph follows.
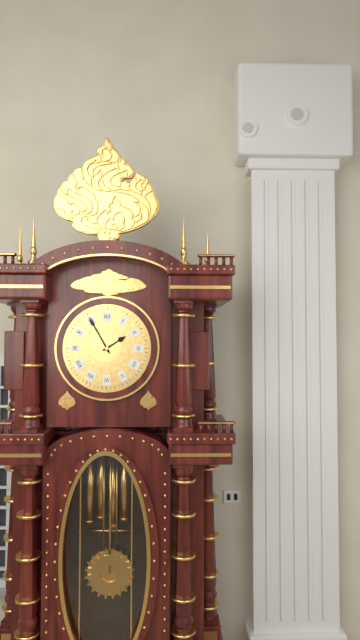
1:55
